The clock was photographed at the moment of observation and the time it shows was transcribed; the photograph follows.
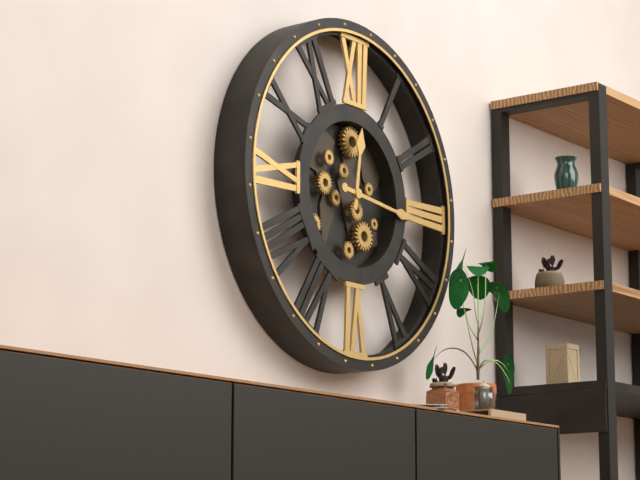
12:16
